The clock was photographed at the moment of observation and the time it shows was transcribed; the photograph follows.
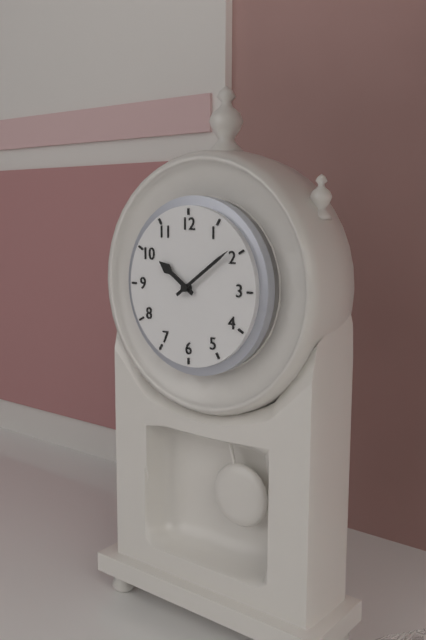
10:09
